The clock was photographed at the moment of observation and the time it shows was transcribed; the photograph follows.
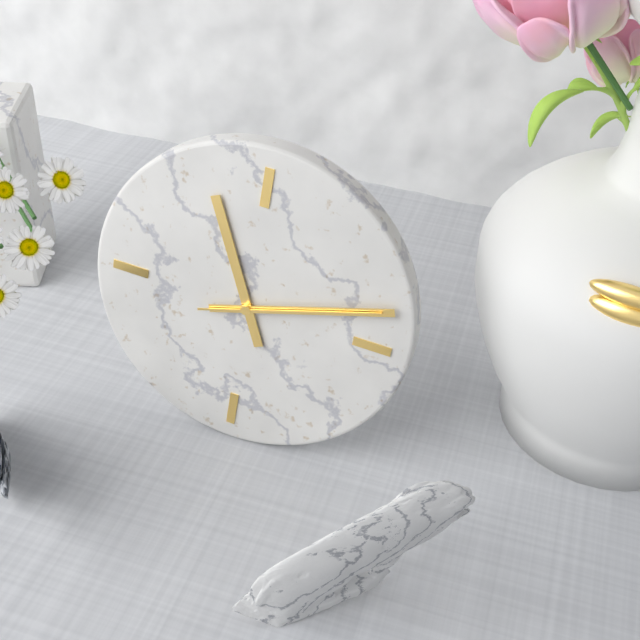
11:12:12
